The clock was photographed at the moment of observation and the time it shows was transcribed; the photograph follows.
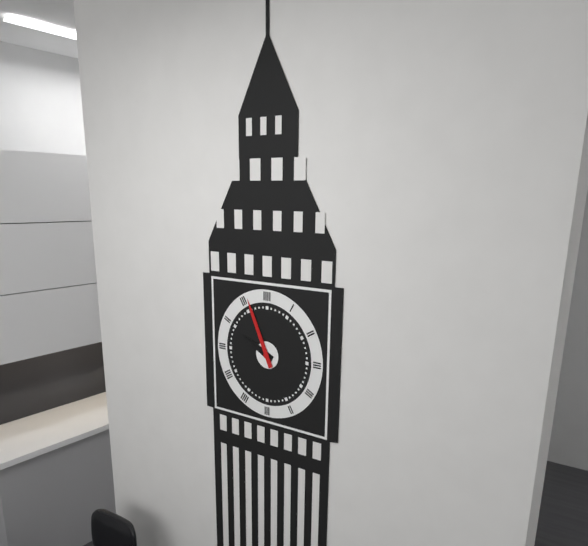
9:56
